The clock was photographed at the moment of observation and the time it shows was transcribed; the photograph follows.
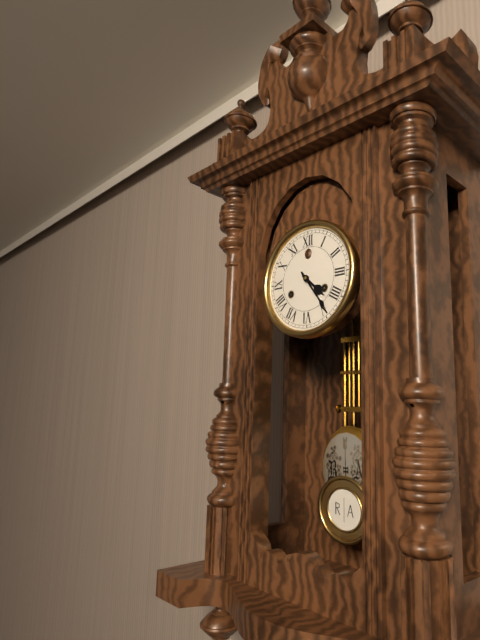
4:24
